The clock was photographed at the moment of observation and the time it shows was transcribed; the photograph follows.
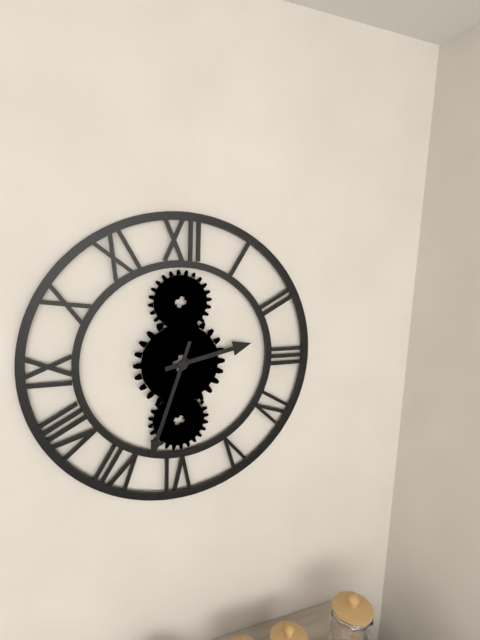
2:33
